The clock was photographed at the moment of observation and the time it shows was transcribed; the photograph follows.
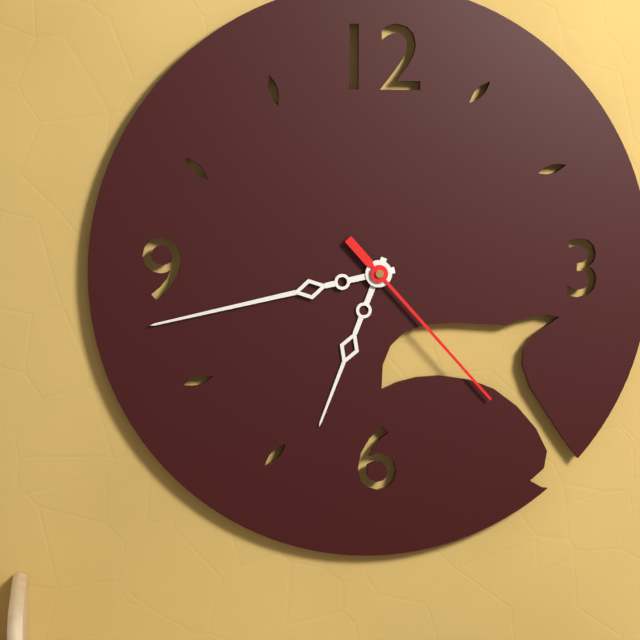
6:43:23
